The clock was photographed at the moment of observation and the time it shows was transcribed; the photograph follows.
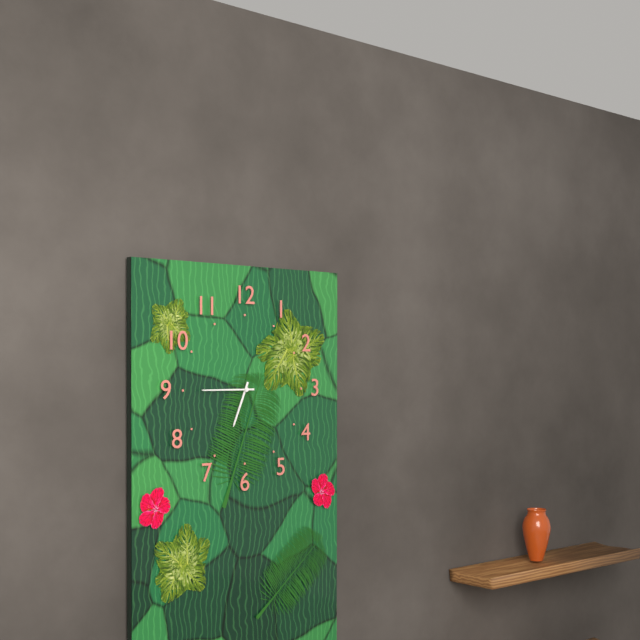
6:45
